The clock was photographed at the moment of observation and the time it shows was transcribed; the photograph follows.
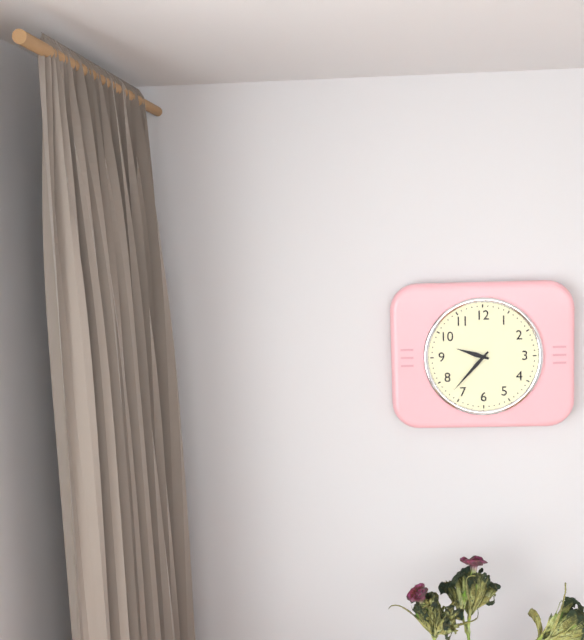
9:37
